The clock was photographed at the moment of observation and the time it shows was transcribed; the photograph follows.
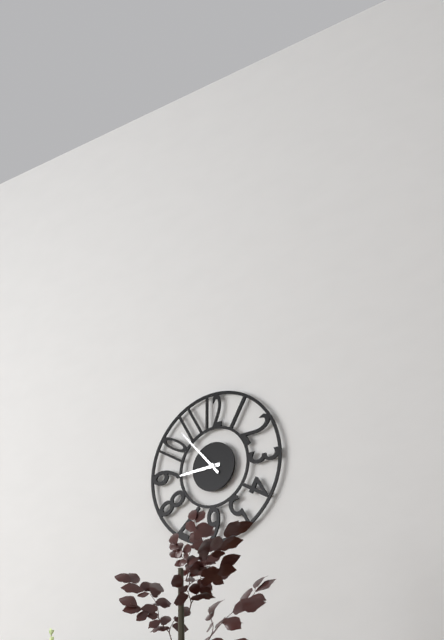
8:53
